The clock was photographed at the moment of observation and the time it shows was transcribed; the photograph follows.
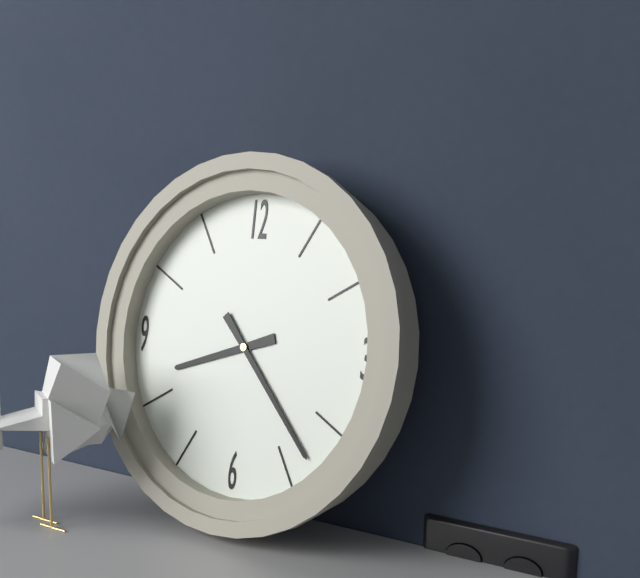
8:23
